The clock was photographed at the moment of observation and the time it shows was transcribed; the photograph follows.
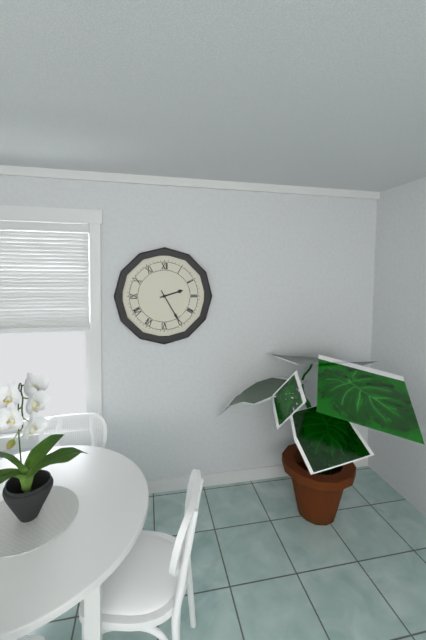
2:25
